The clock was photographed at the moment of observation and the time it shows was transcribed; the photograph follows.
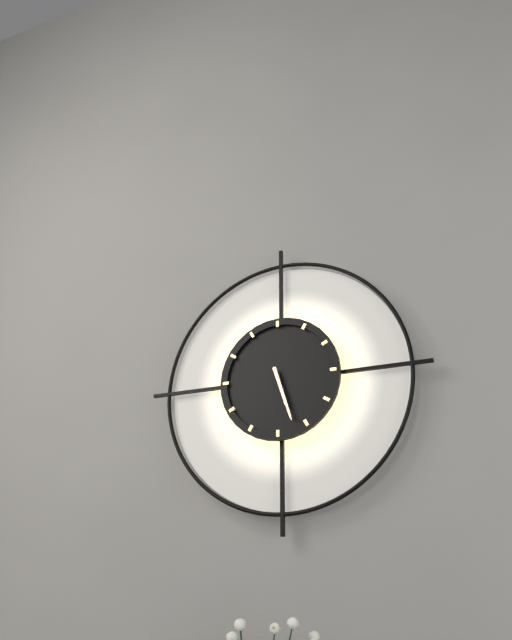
5:27
